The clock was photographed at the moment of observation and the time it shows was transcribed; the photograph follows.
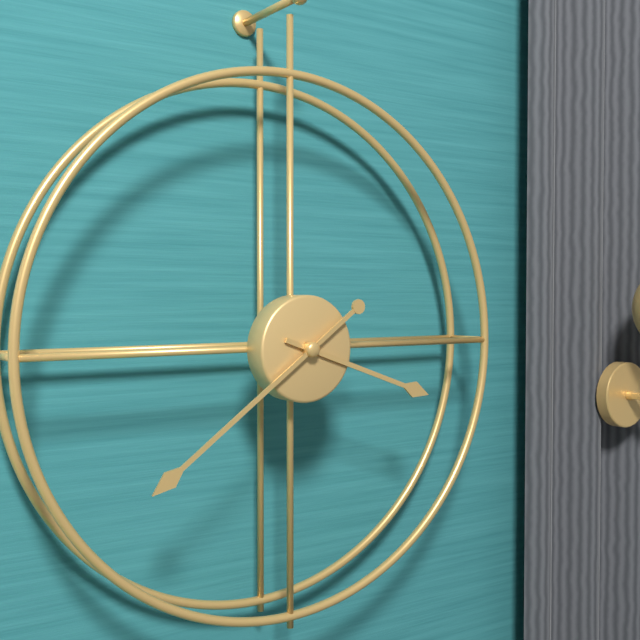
3:39
